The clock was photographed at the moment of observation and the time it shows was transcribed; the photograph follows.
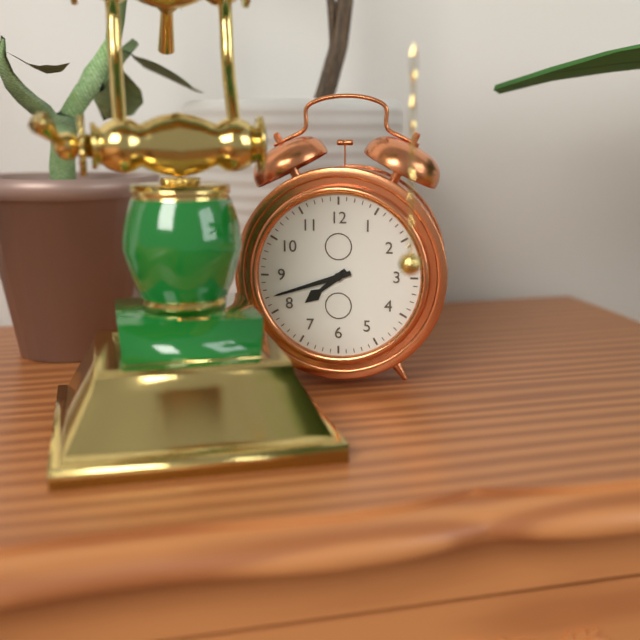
7:42
